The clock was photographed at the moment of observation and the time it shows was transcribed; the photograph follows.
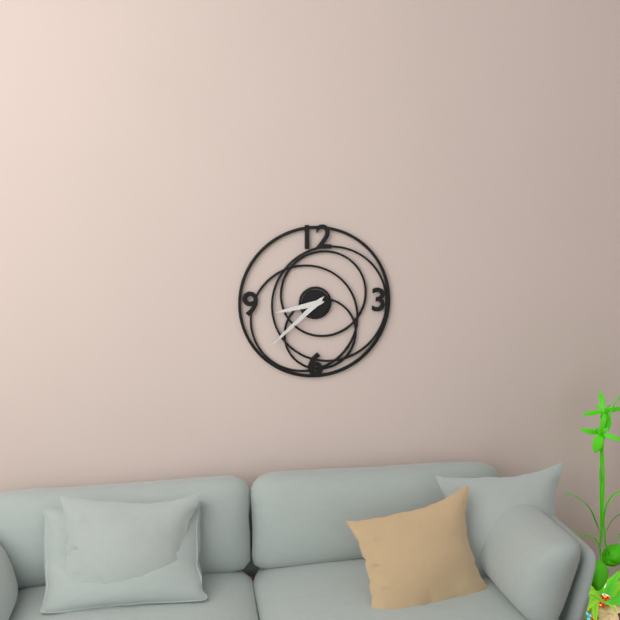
8:38
